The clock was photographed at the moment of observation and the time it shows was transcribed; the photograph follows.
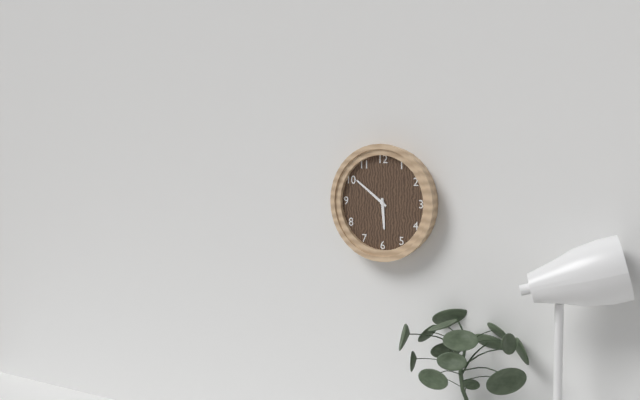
5:51
